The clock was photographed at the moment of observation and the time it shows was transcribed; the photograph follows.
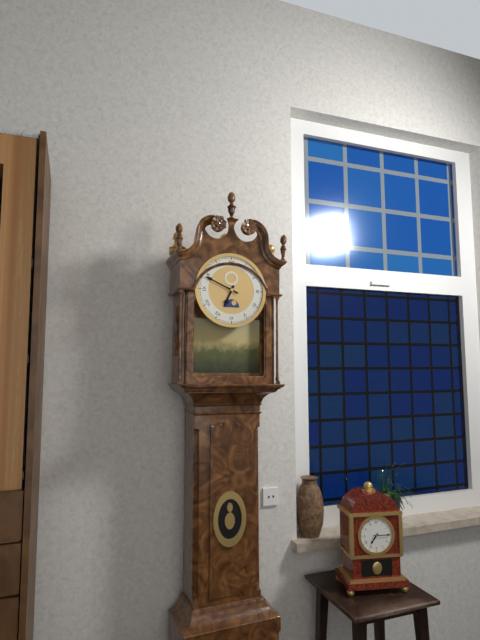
6:49
